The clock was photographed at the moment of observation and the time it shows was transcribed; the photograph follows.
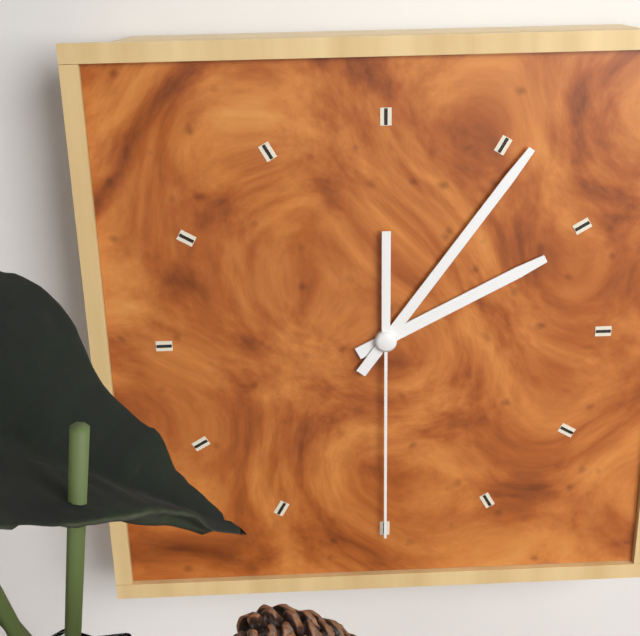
2:06:30
